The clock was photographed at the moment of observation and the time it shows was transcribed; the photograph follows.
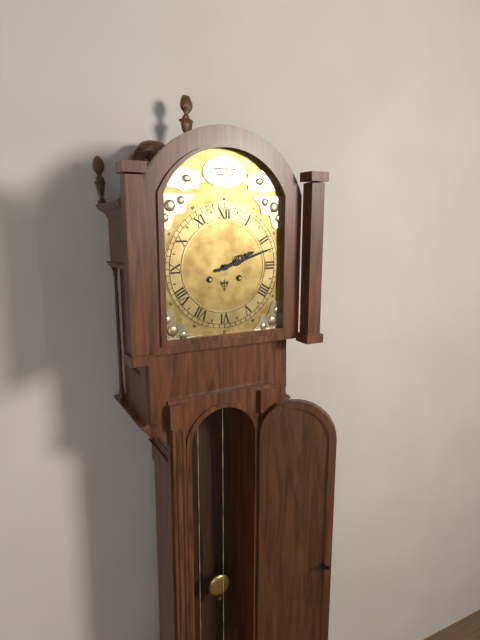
2:12
